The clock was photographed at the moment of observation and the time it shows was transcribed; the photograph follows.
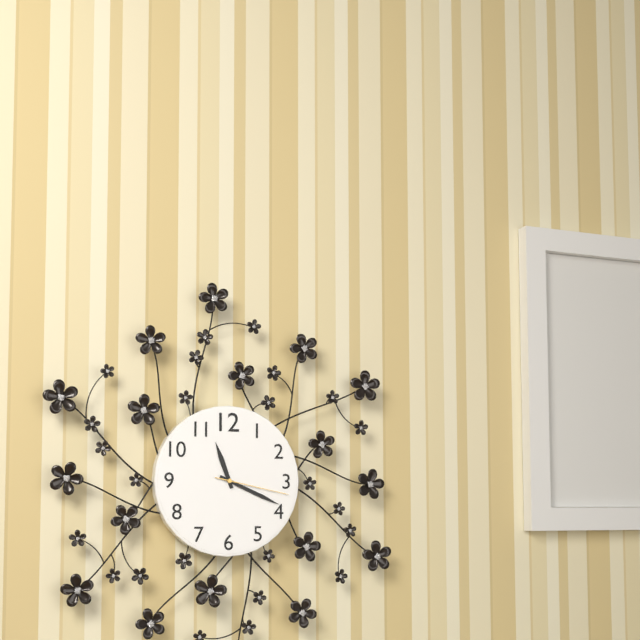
11:19:17
